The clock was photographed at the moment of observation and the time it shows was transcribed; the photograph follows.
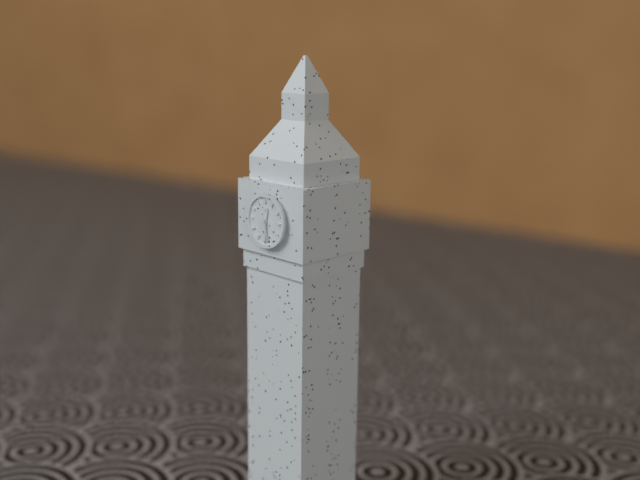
12:29
